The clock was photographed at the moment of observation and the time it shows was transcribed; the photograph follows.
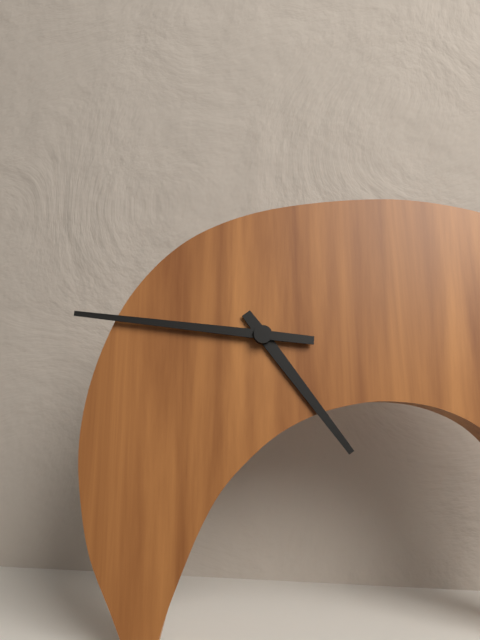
4:46
